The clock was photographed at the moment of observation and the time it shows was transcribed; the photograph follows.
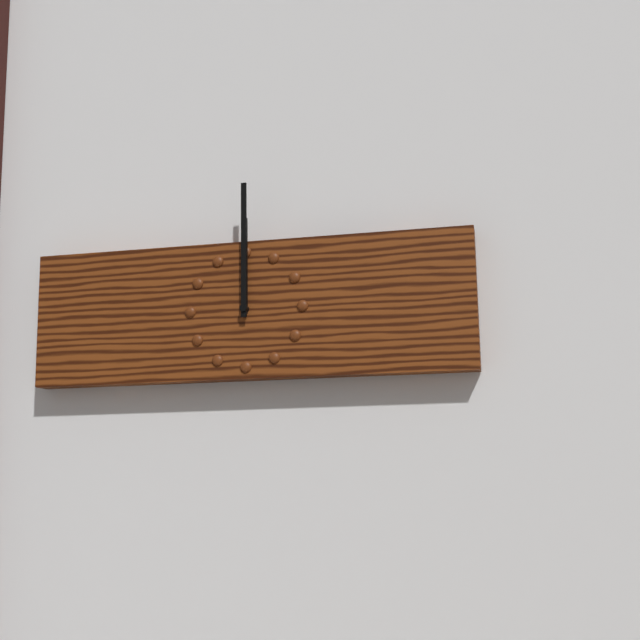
12:00
